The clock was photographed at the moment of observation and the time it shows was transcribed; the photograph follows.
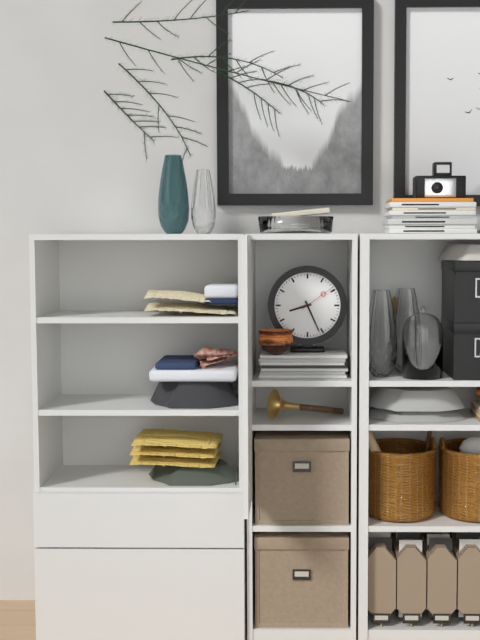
8:26
